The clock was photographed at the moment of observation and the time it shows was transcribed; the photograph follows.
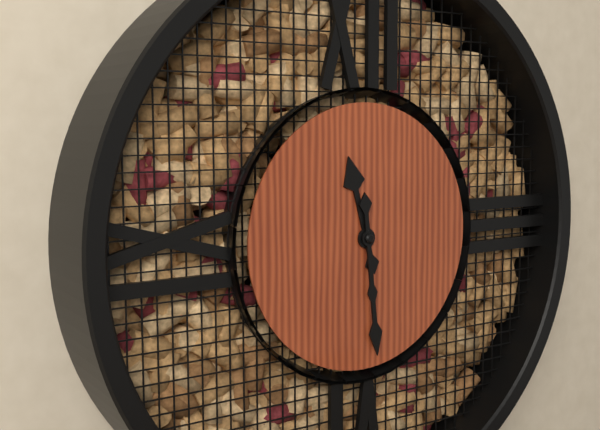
11:29
